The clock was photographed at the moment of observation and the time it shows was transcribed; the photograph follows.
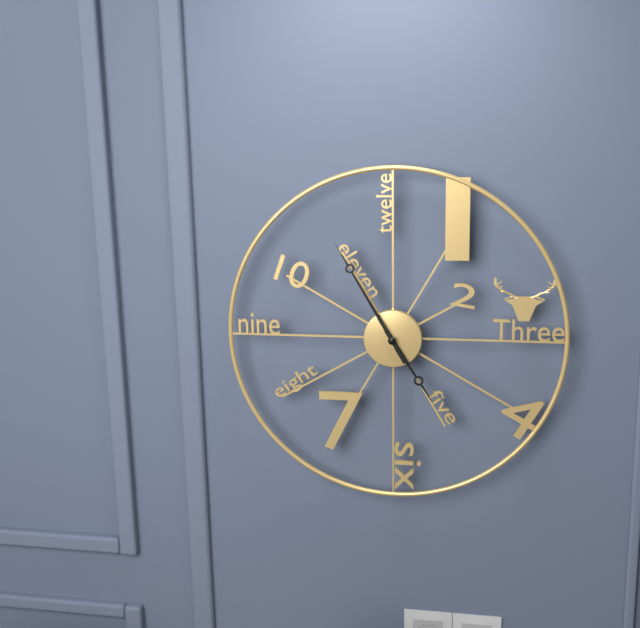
4:55
